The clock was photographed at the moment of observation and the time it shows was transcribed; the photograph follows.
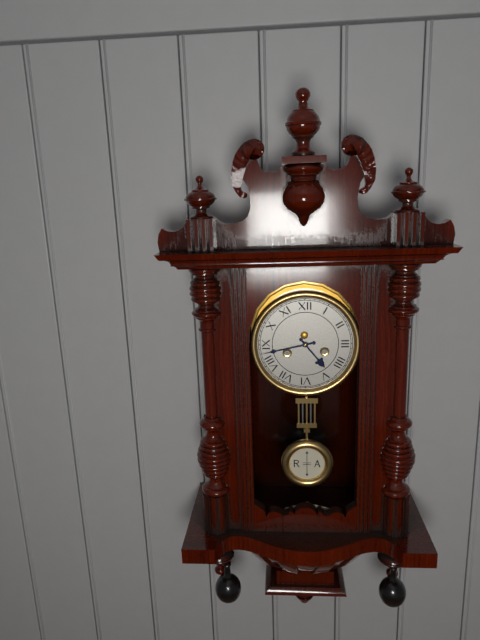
4:43
